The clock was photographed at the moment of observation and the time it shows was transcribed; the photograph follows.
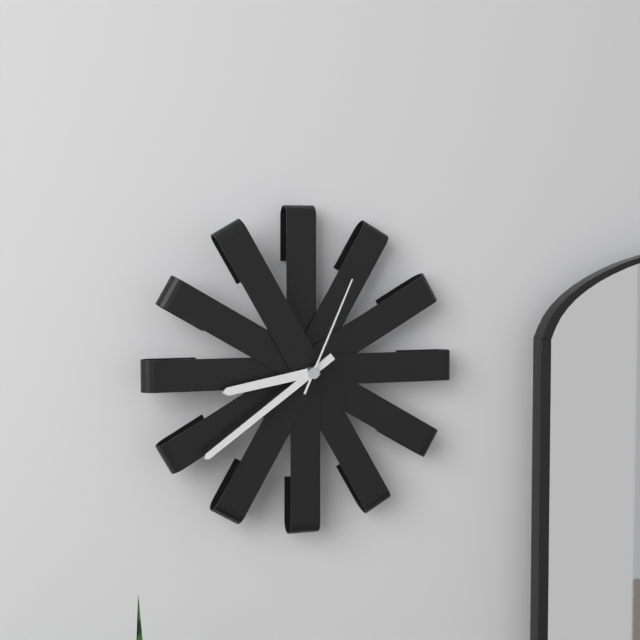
8:39:04
